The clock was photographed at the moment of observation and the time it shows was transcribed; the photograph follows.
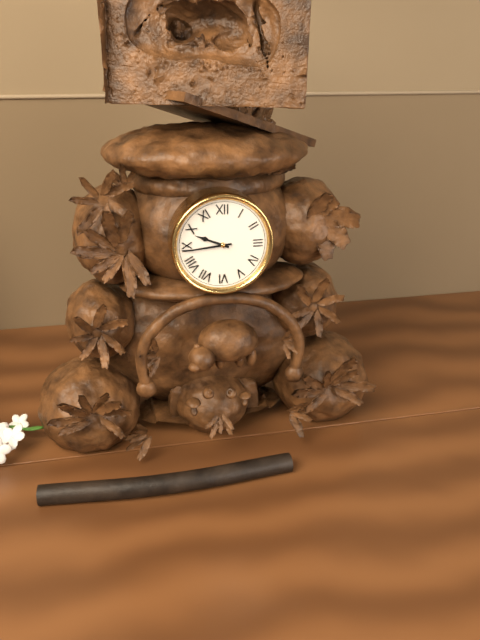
9:44
